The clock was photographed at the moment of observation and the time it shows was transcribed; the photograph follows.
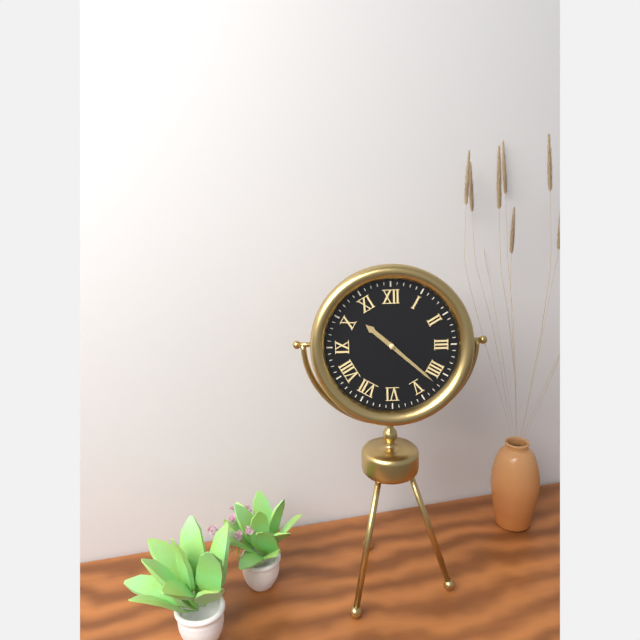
10:22
